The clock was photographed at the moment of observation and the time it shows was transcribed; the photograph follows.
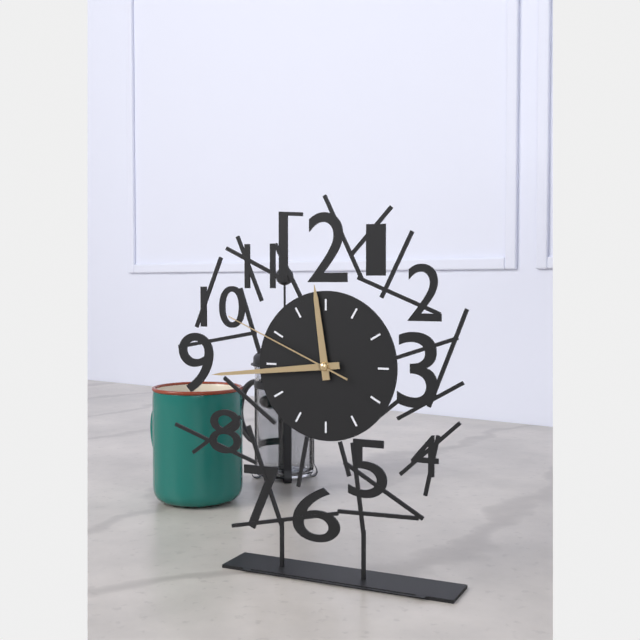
11:44:49
